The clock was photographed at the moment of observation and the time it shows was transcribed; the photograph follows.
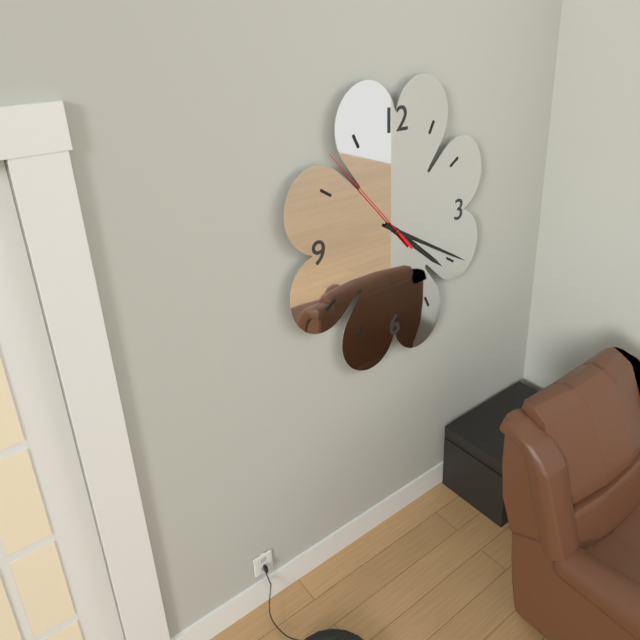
4:20:53
